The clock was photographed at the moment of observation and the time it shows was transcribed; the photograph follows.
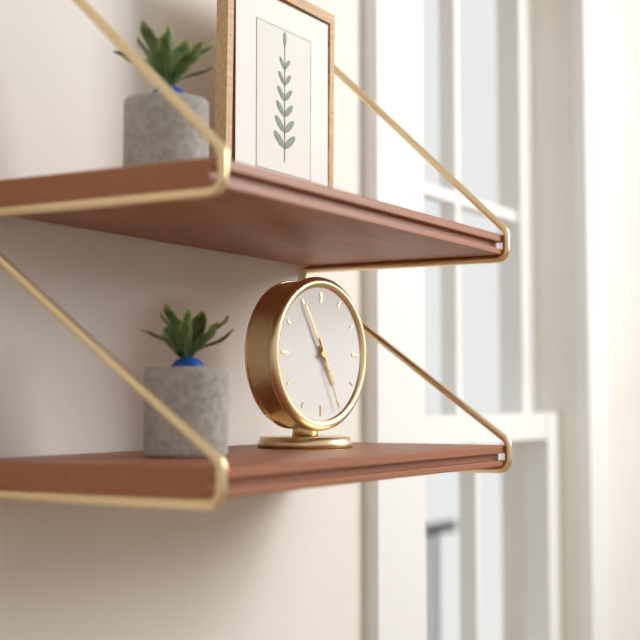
4:55:26
